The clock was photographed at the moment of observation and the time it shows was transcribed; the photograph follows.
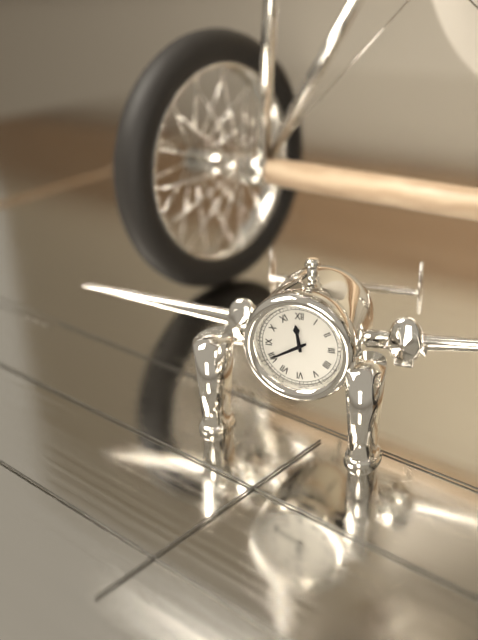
11:40
